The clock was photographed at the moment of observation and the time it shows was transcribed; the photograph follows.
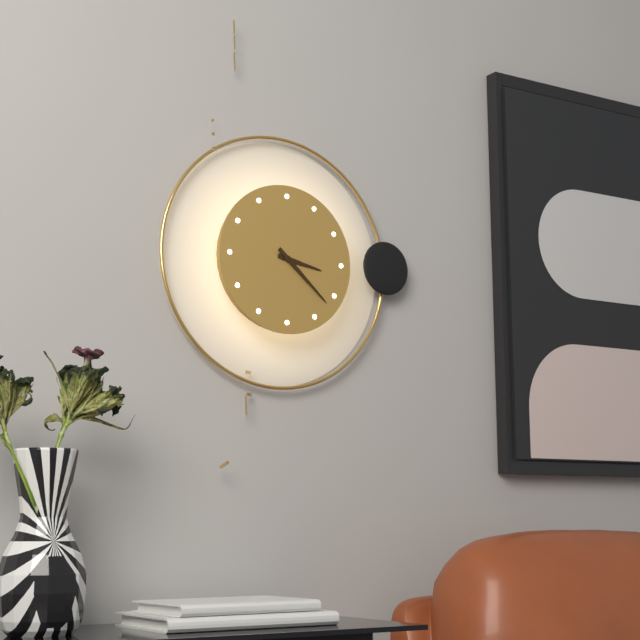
3:22
